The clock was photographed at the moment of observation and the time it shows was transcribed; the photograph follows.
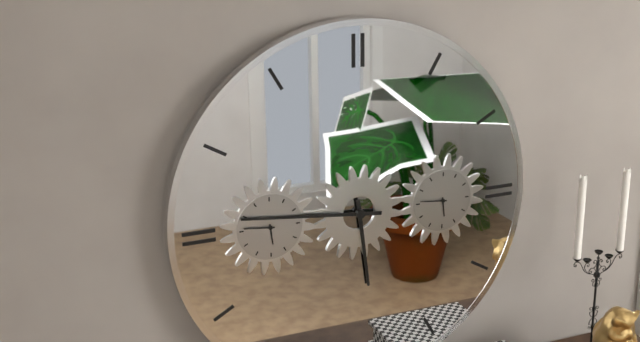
5:46
